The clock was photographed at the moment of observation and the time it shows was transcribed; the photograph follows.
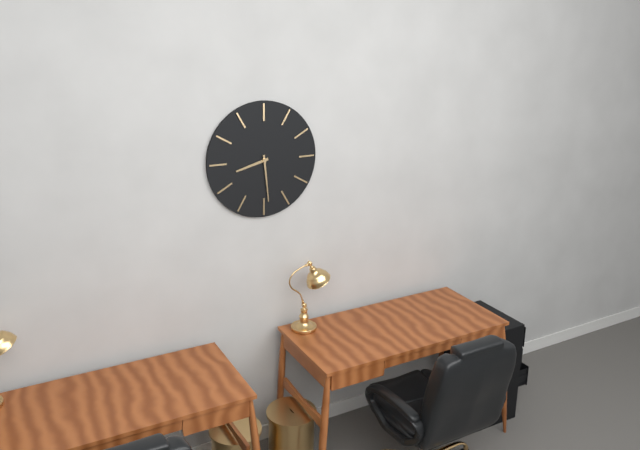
8:29
